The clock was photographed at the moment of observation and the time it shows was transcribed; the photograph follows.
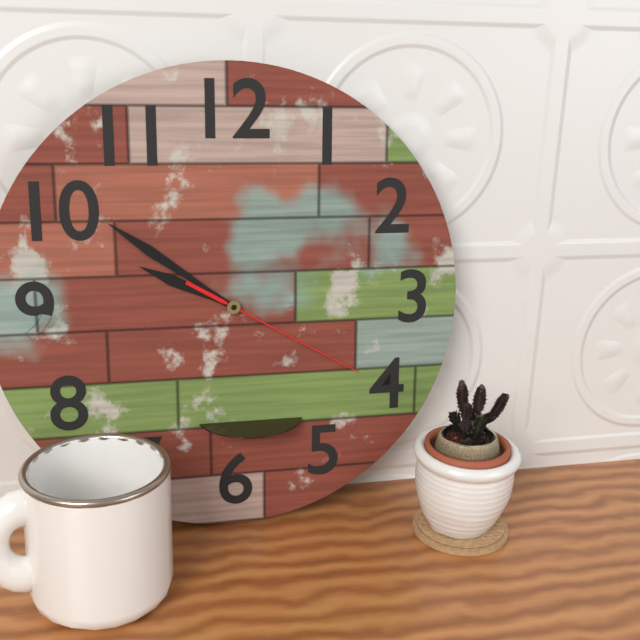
9:51:20
